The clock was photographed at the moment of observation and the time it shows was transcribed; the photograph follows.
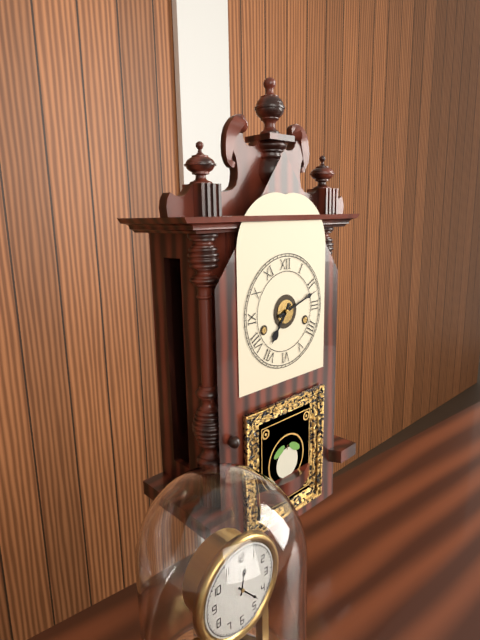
7:12
